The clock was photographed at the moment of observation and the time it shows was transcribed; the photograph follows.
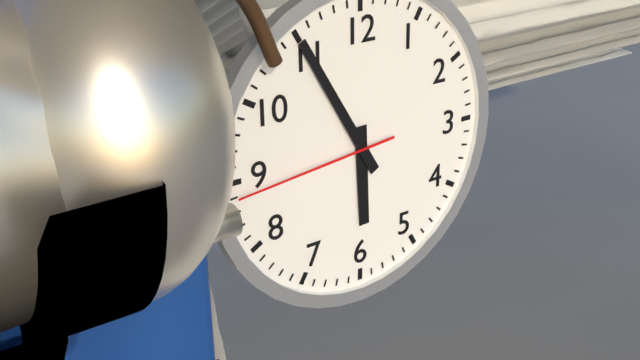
5:55:44
